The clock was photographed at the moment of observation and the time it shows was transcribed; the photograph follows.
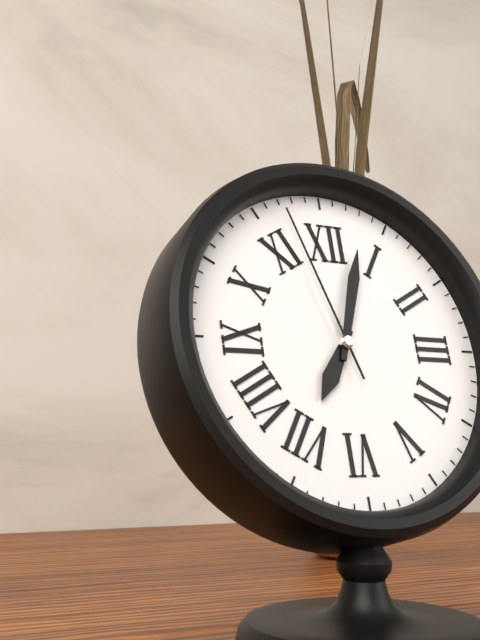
7:03:57
